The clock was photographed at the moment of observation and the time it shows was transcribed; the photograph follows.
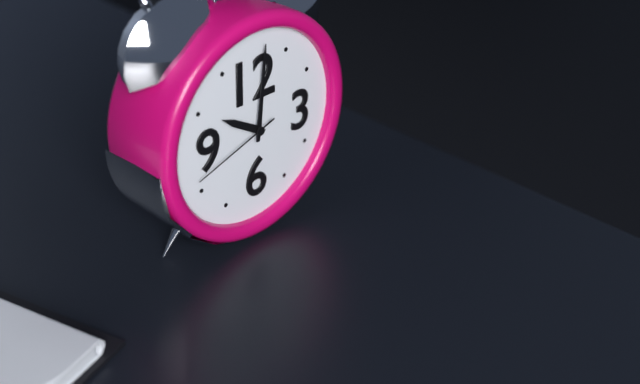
10:01:42
